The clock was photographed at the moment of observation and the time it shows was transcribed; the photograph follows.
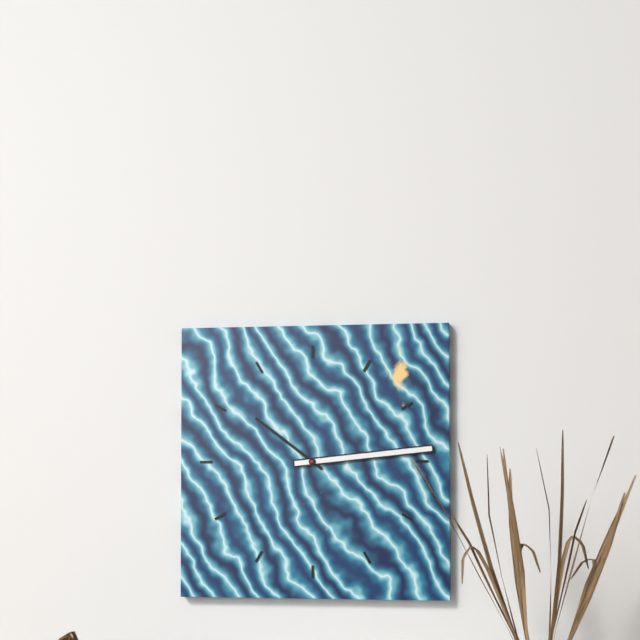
10:14
